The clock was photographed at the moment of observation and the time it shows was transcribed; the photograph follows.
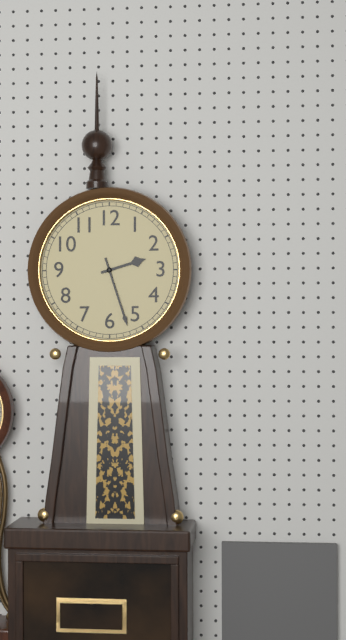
2:27
